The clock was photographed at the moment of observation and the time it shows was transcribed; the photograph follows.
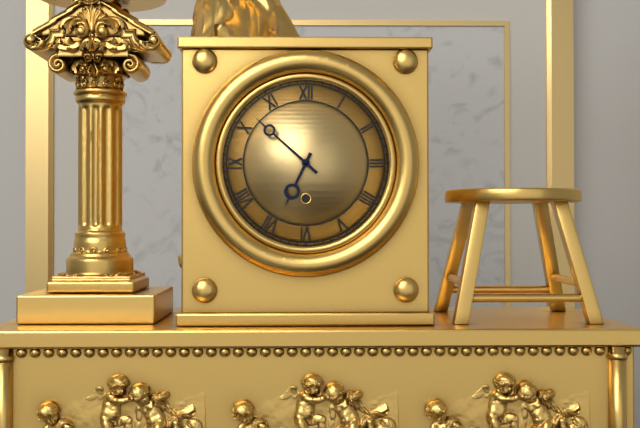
6:52
